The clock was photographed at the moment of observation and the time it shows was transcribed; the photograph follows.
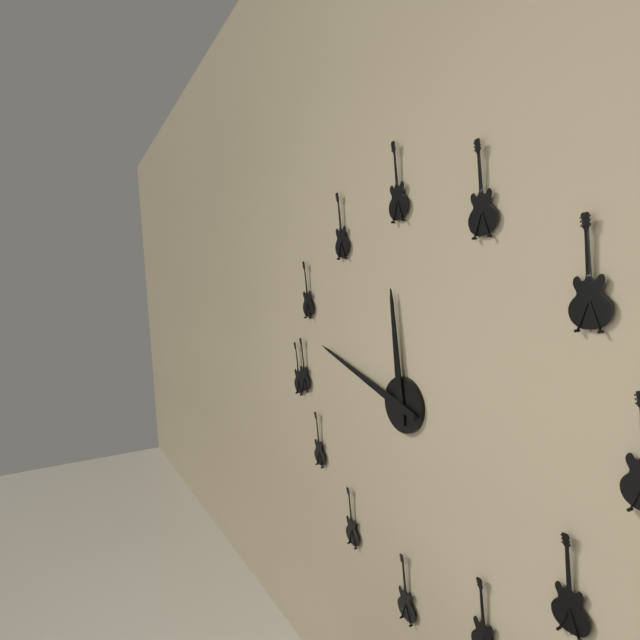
11:48
